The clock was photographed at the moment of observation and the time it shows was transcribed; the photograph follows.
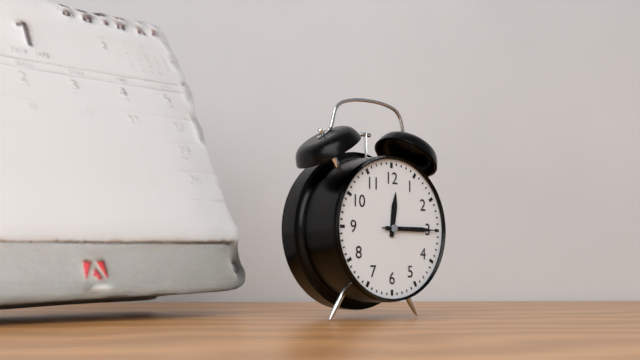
12:15:15
